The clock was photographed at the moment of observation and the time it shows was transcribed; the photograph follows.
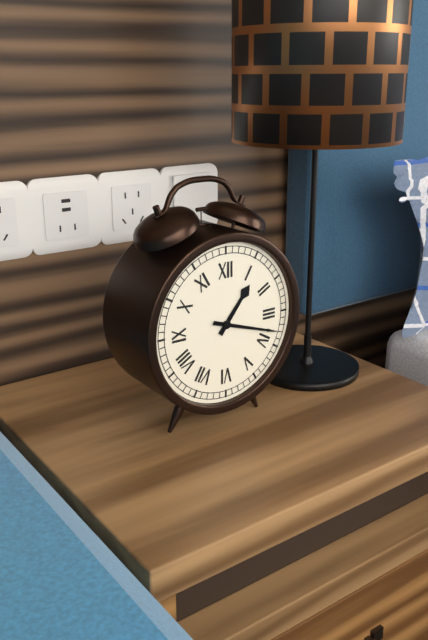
1:18
